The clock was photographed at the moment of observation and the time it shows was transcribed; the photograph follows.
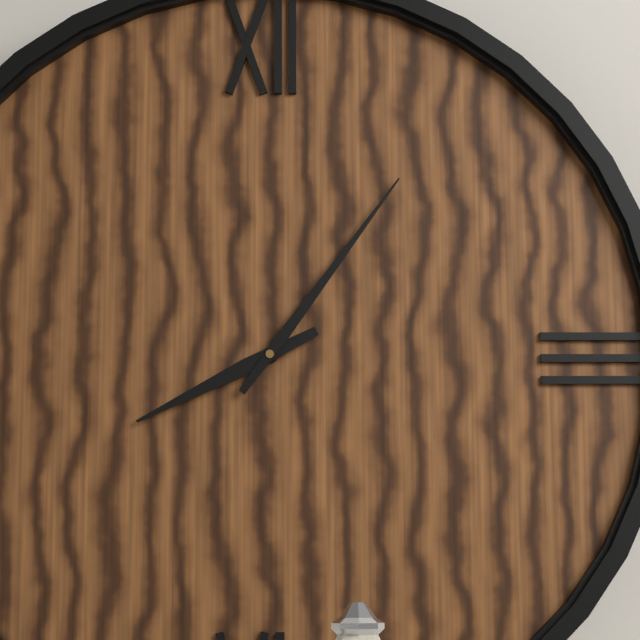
8:06
